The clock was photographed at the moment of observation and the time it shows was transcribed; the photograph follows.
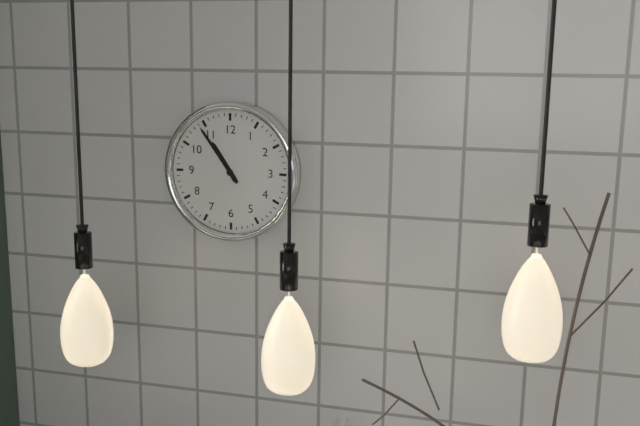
10:54
